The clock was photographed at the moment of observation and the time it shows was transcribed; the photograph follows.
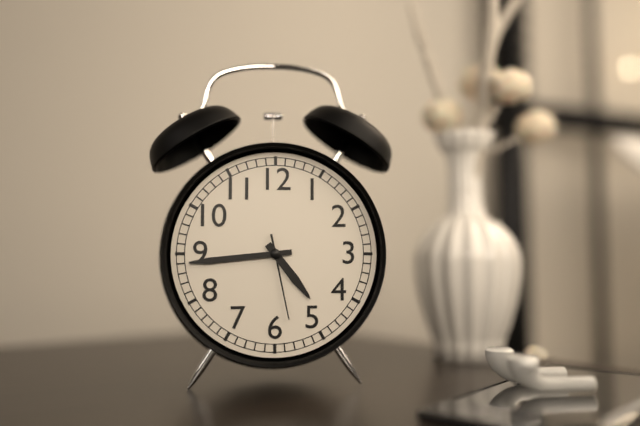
4:44:28
